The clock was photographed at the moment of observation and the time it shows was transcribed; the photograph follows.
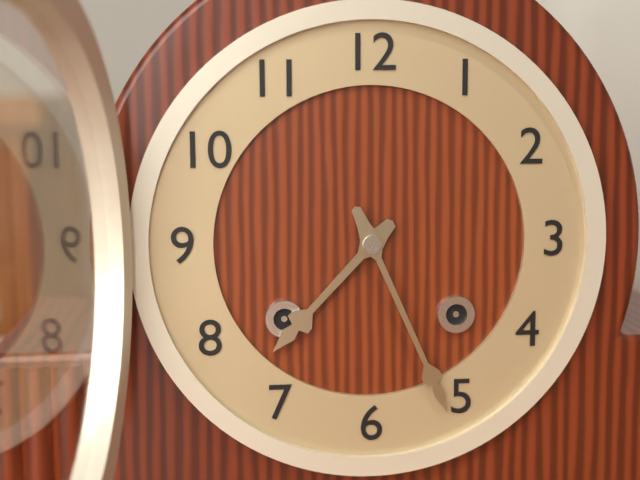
7:26
